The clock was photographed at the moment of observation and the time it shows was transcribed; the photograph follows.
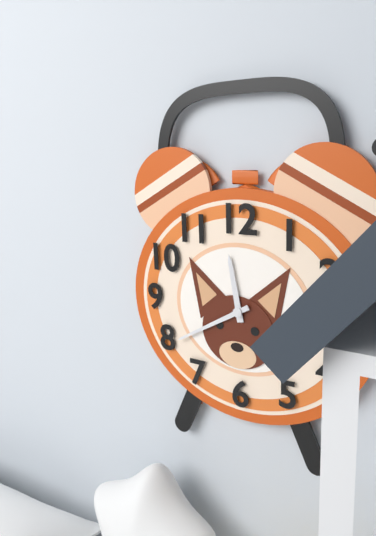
11:40
